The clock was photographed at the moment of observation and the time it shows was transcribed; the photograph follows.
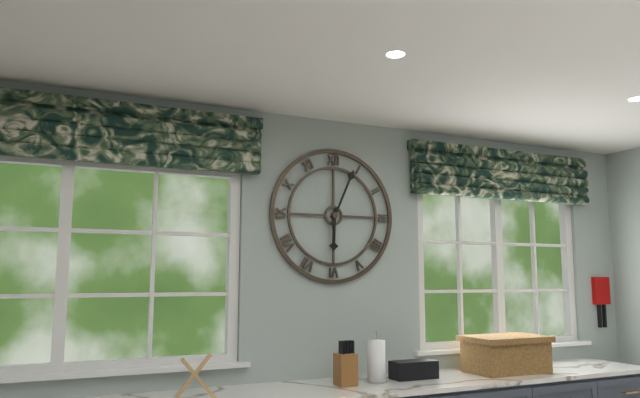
6:04
